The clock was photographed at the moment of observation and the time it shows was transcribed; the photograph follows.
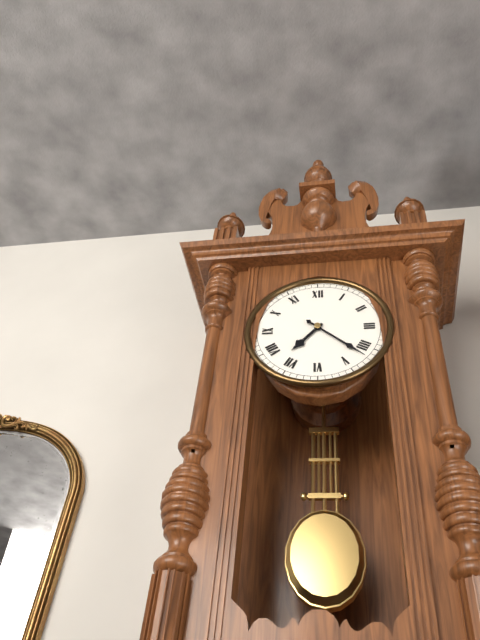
7:22
